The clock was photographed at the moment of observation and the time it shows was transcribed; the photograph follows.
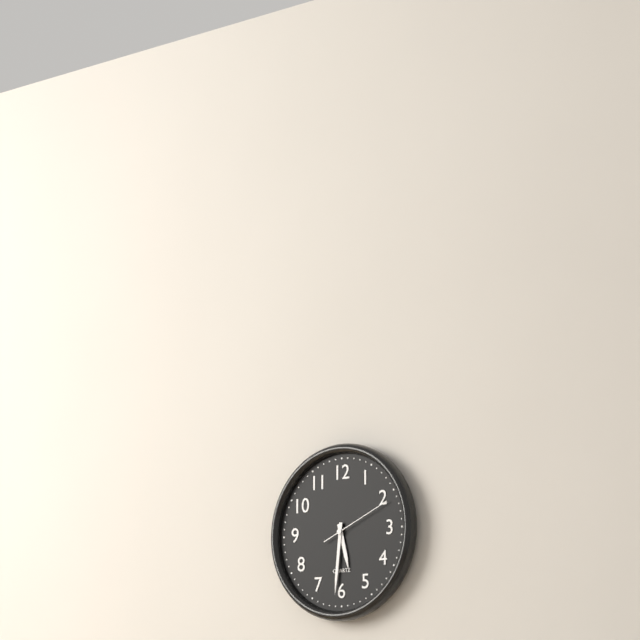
5:31:11
